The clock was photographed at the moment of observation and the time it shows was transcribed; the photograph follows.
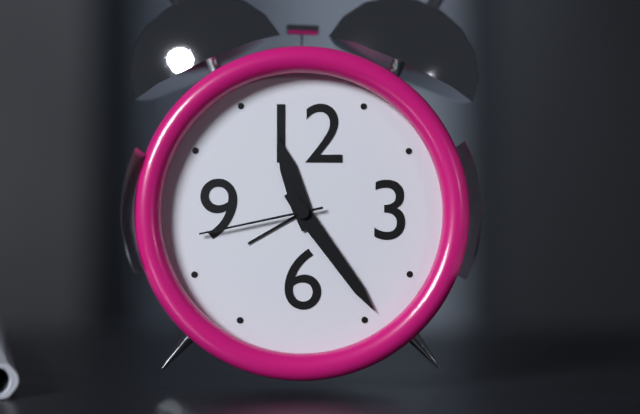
11:24:43
